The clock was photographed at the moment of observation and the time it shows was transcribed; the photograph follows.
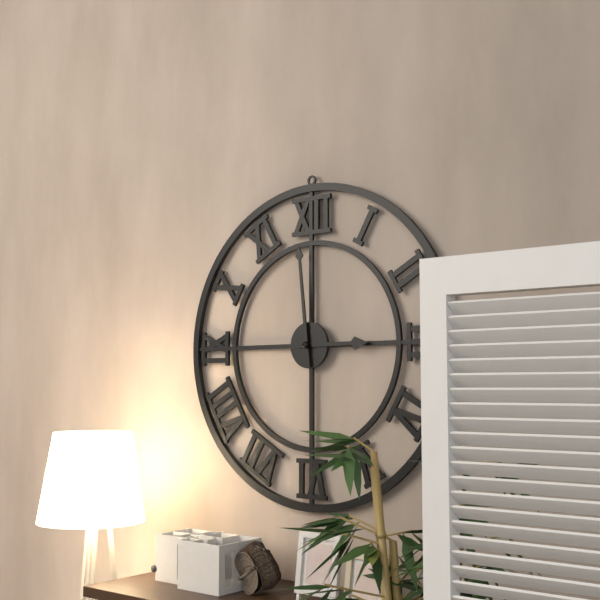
2:59
